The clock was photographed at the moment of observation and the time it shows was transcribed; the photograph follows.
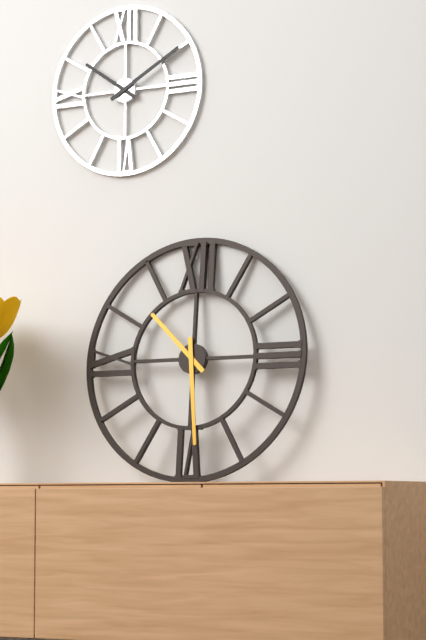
10:29
